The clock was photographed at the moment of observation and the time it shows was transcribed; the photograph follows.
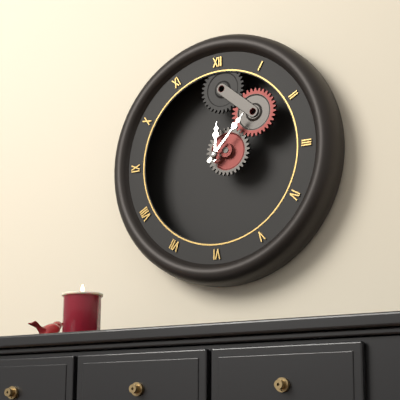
12:07
